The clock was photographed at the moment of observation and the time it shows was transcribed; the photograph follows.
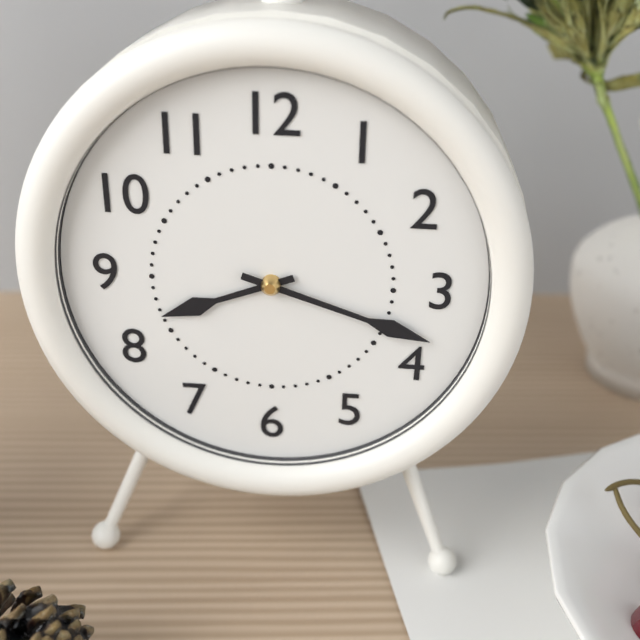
8:18
